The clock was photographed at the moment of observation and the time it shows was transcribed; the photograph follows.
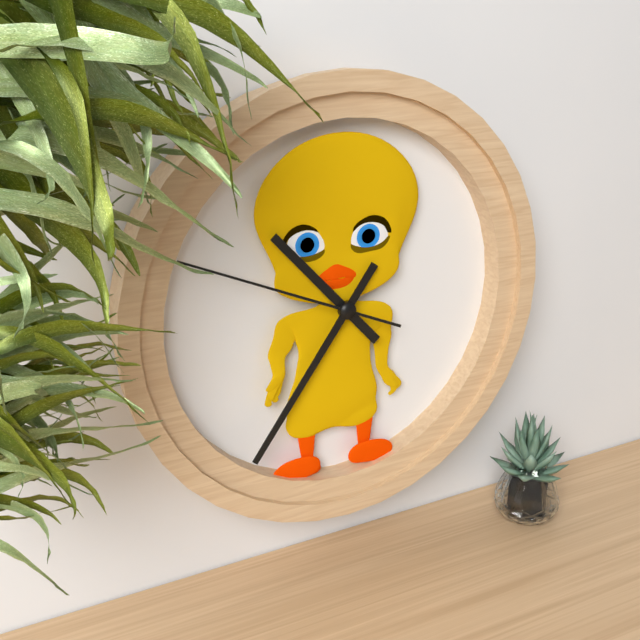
10:36:49
